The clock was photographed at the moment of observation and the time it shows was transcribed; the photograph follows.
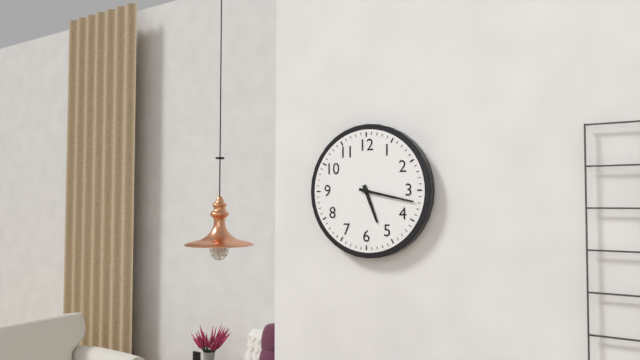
5:17
